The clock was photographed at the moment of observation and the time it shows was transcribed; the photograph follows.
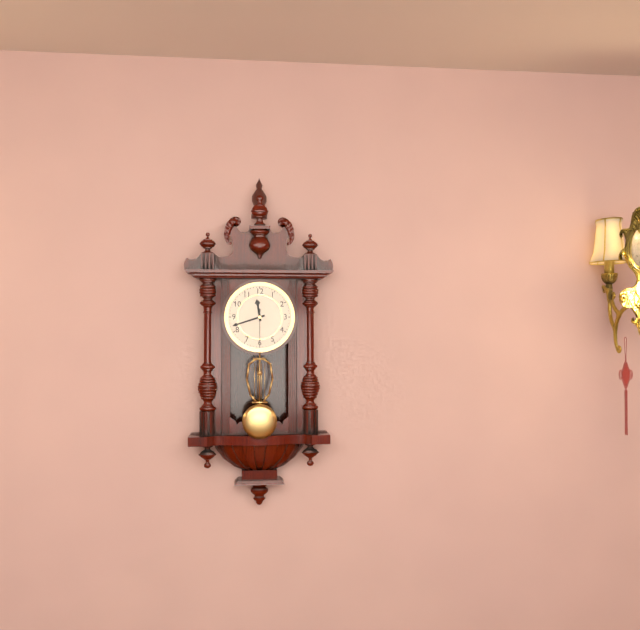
11:42
